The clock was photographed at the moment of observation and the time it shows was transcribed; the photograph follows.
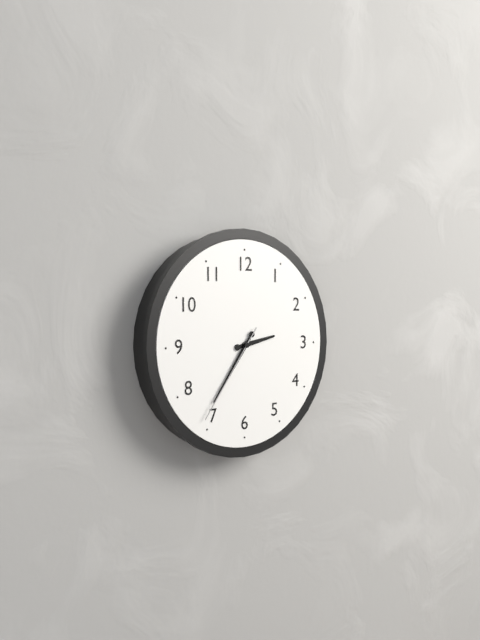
2:36:36
